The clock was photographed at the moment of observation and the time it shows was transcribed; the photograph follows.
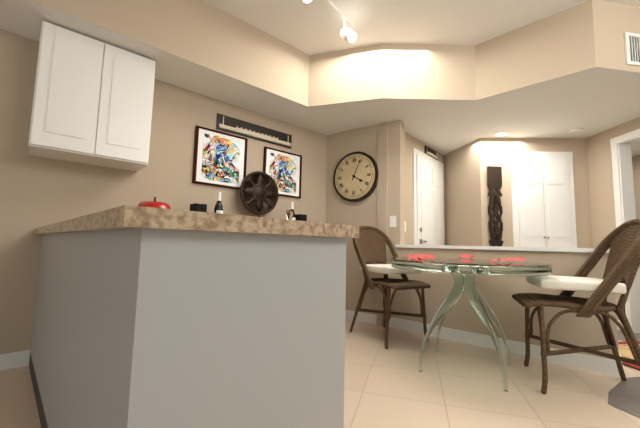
4:04
